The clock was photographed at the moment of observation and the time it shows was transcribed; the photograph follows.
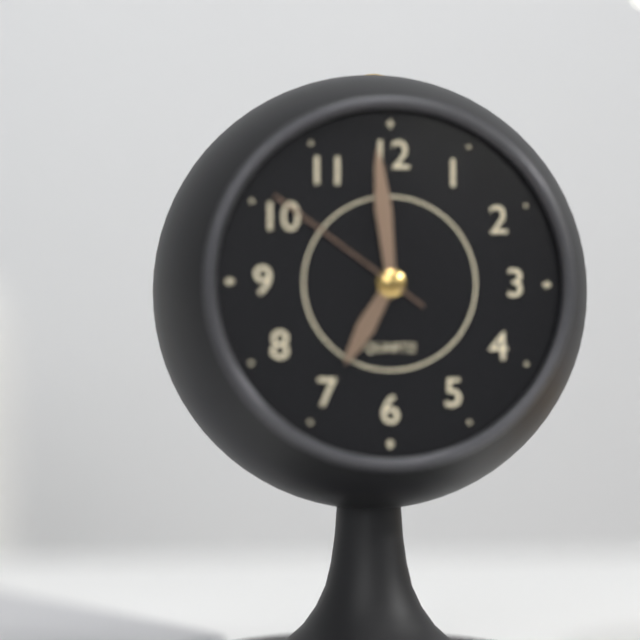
6:59:51
